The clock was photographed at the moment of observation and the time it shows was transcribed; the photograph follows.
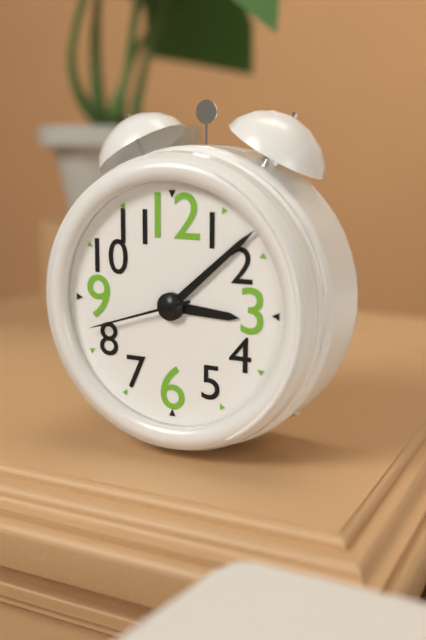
3:08:42
